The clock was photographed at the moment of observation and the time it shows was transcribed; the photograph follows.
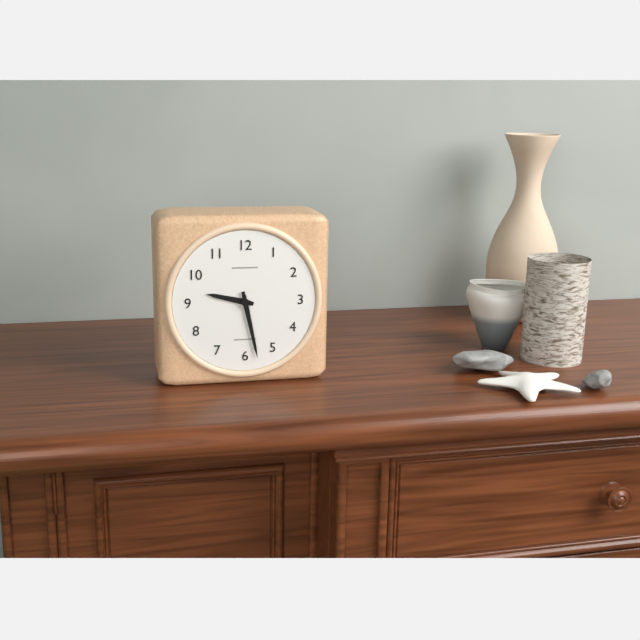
9:28
